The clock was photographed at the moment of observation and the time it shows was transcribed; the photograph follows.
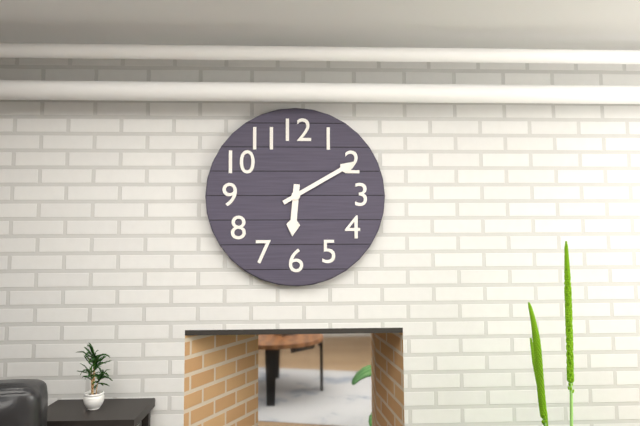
6:10
